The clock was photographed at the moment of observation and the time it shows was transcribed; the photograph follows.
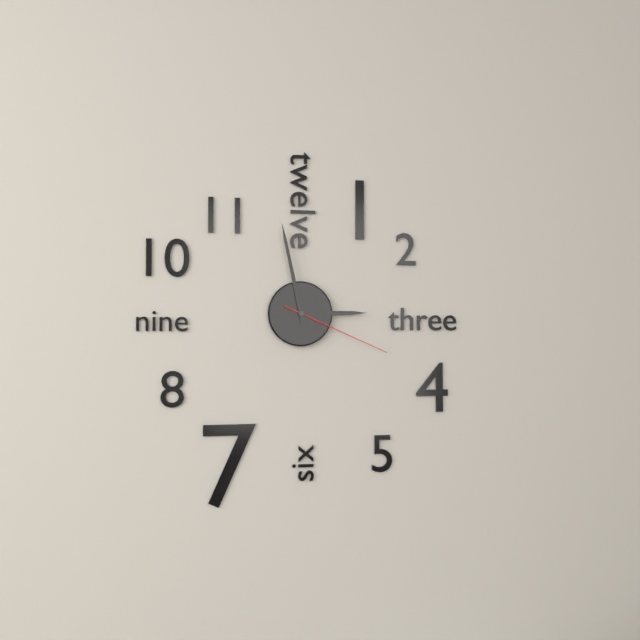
2:58:19
